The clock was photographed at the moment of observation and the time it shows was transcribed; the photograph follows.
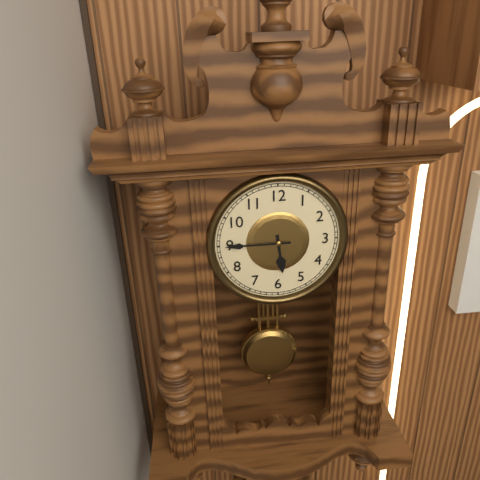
5:45
